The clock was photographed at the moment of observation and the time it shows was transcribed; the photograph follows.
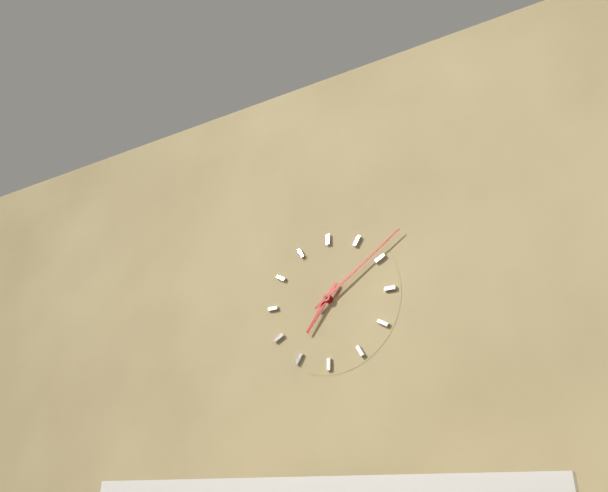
7:09
